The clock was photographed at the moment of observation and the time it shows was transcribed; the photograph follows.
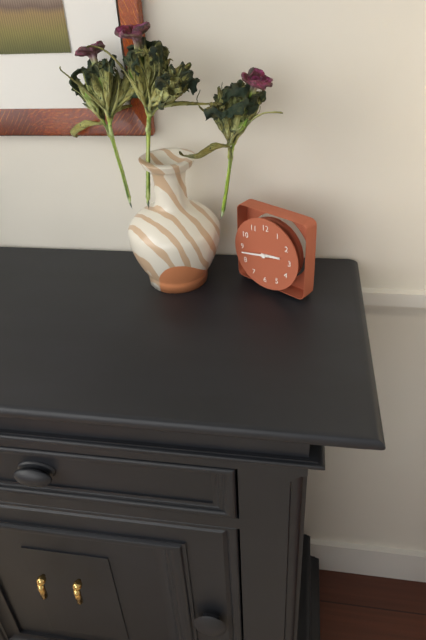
2:43
